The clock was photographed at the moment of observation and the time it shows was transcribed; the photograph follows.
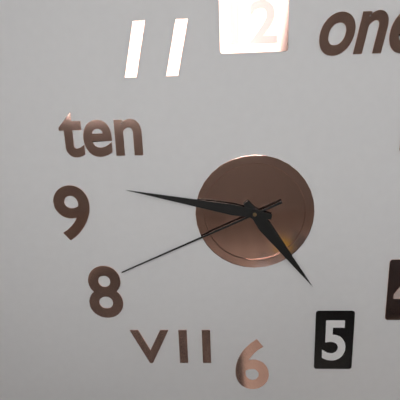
4:47:41
